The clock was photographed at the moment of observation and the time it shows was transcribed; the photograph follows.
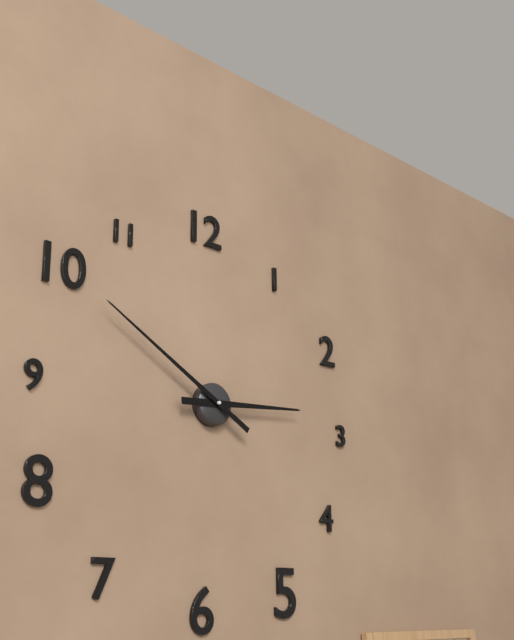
2:50
